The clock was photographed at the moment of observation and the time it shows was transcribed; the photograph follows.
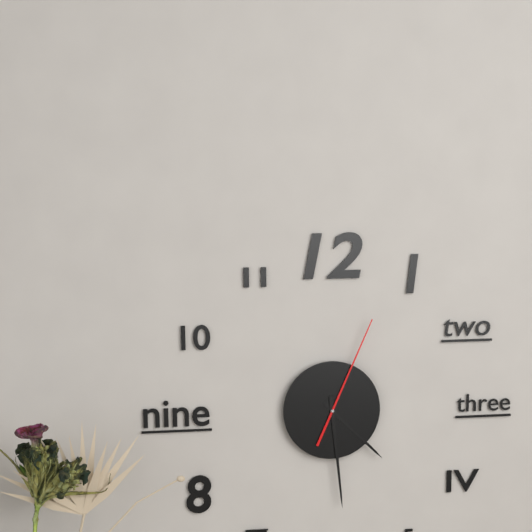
4:29:04
